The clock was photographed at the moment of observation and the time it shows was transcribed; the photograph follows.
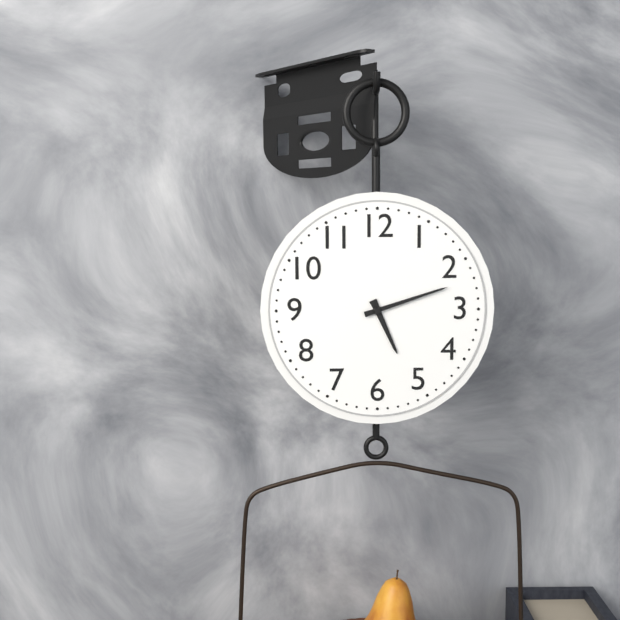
5:12
